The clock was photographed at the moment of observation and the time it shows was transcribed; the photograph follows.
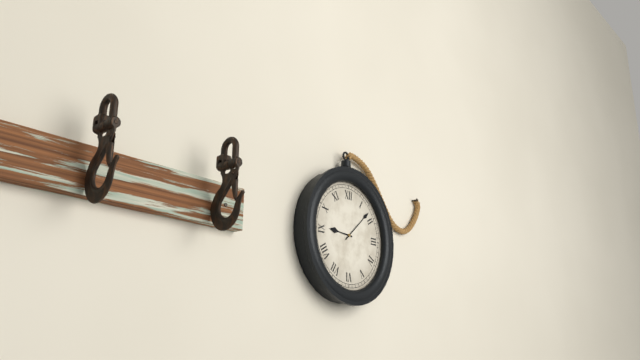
9:08
